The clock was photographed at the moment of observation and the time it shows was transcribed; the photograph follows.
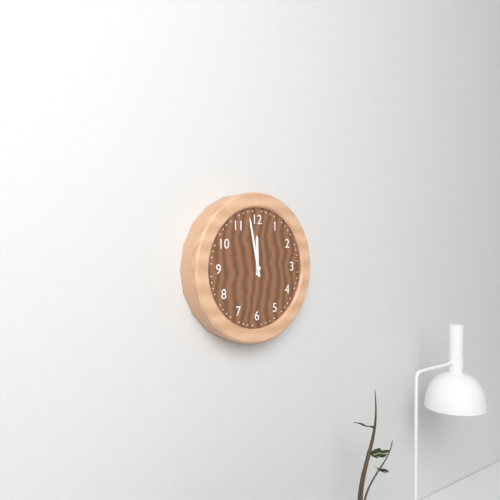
11:58
